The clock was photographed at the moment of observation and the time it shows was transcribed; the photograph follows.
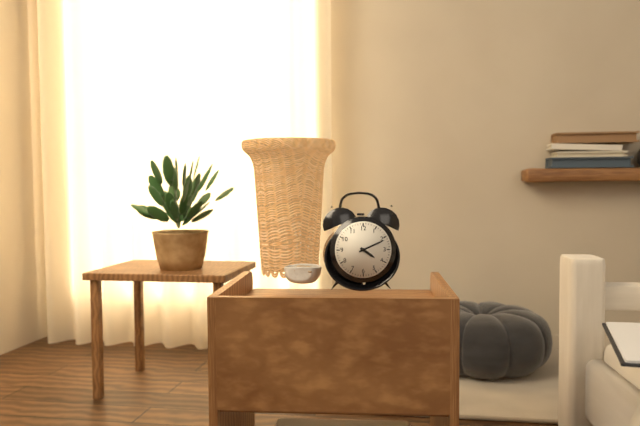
4:11
